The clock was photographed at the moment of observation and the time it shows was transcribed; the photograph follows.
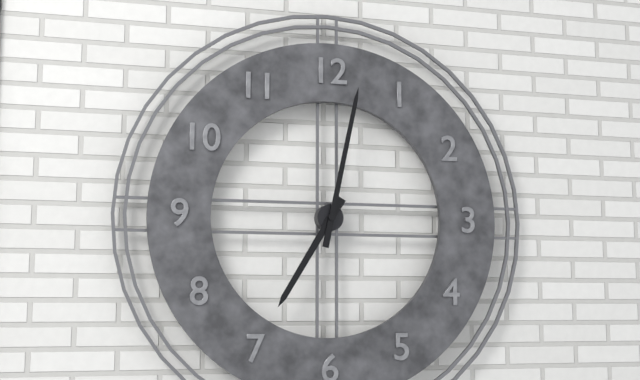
7:02
